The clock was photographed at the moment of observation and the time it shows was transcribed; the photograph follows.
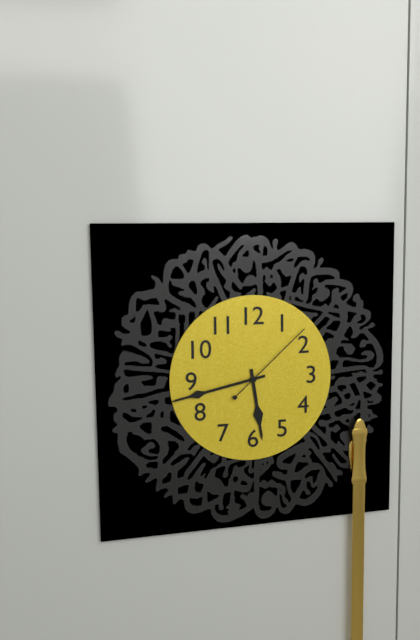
5:43:08
